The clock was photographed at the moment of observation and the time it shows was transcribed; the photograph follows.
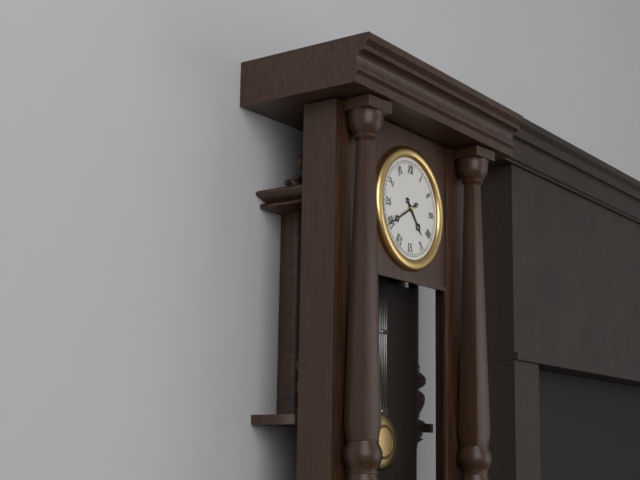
4:40
